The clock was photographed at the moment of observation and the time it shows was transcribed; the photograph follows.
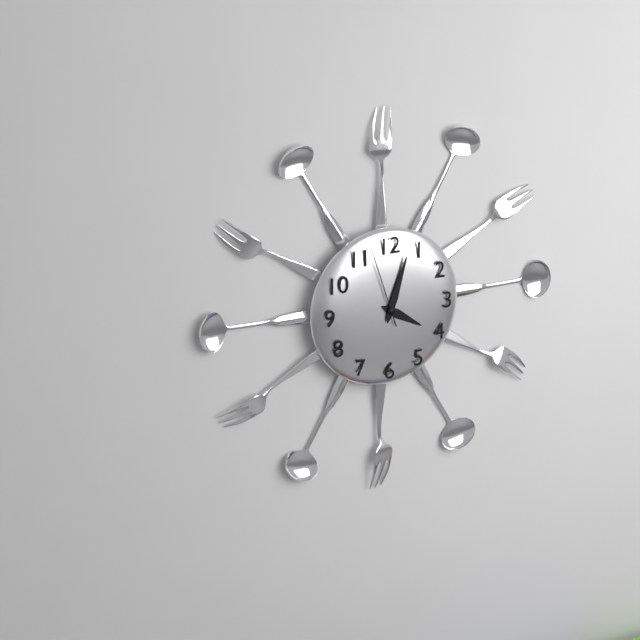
4:03:57
